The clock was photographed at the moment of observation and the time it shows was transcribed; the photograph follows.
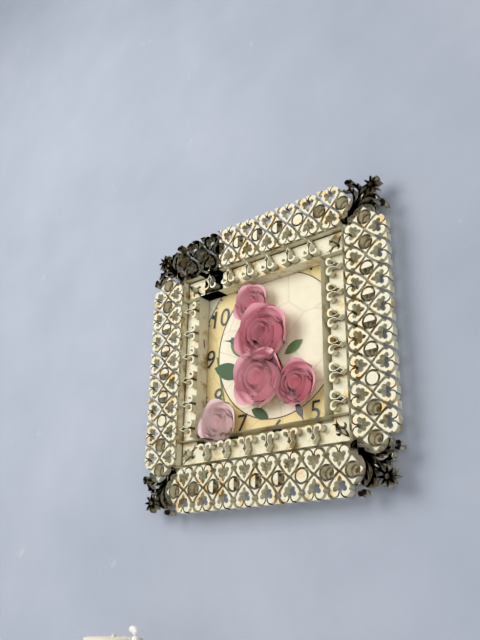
9:26
